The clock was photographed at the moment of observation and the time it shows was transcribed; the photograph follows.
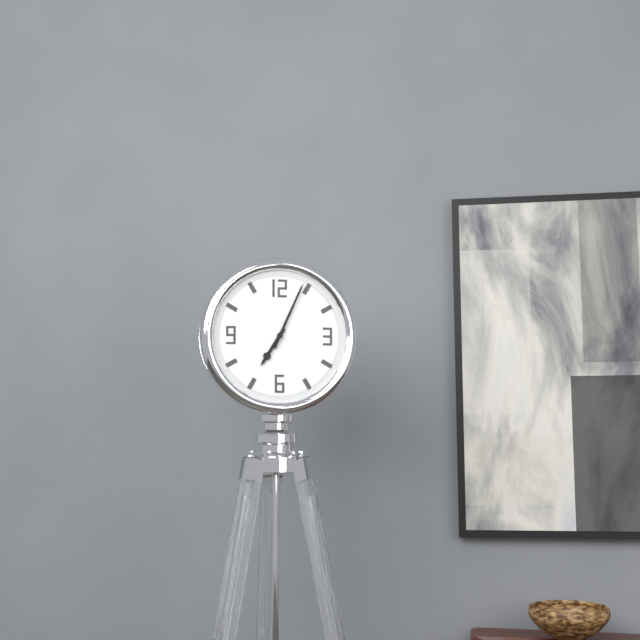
7:04
